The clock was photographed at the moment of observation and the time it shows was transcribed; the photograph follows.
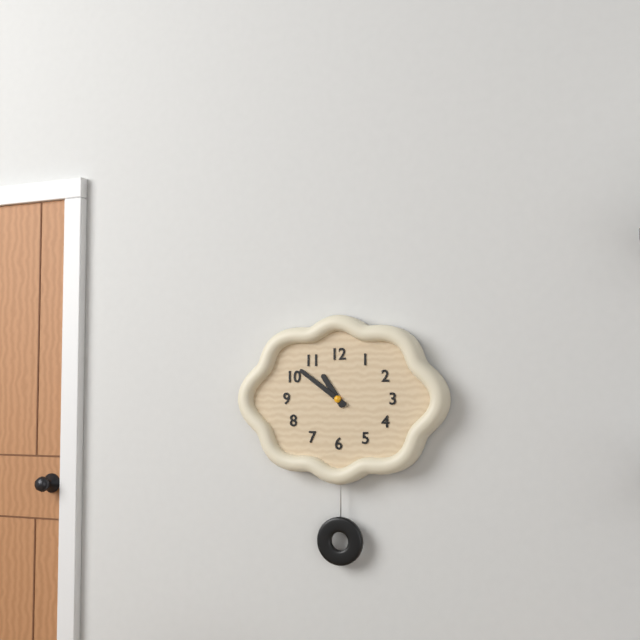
10:51
